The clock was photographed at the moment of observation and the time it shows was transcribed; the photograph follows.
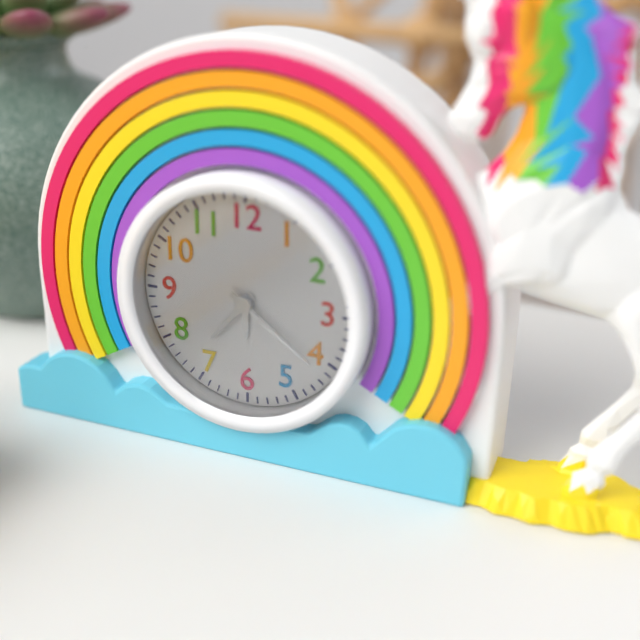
7:21
